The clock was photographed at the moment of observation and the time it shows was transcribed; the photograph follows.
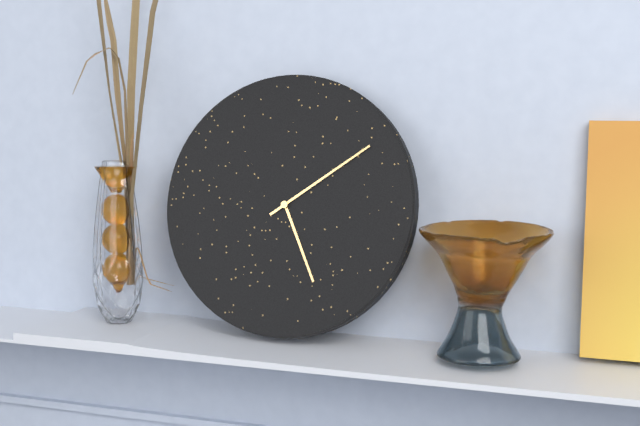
5:09
